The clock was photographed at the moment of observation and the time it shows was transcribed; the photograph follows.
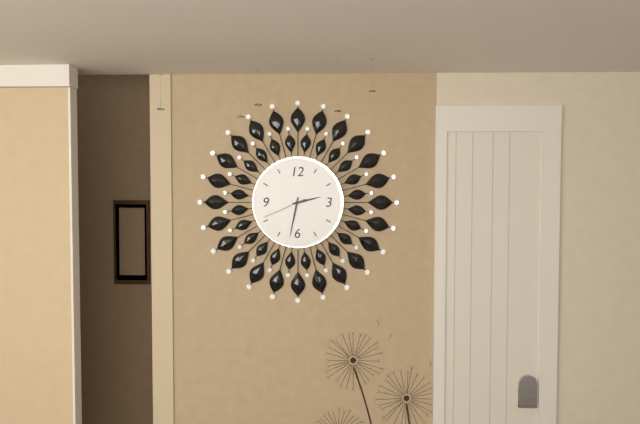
2:32
